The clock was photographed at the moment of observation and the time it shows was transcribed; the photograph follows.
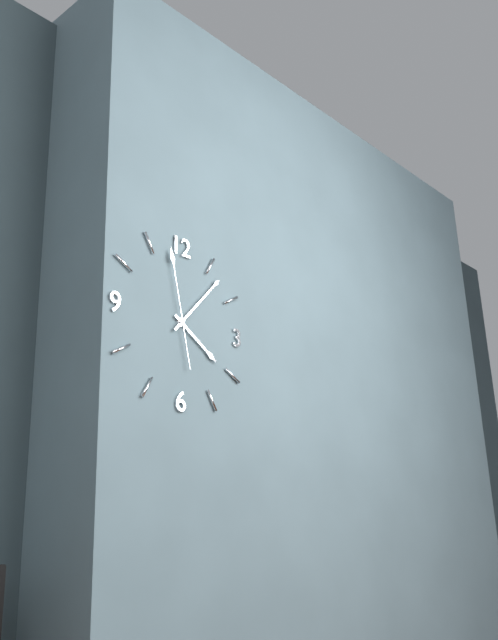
4:07:58
